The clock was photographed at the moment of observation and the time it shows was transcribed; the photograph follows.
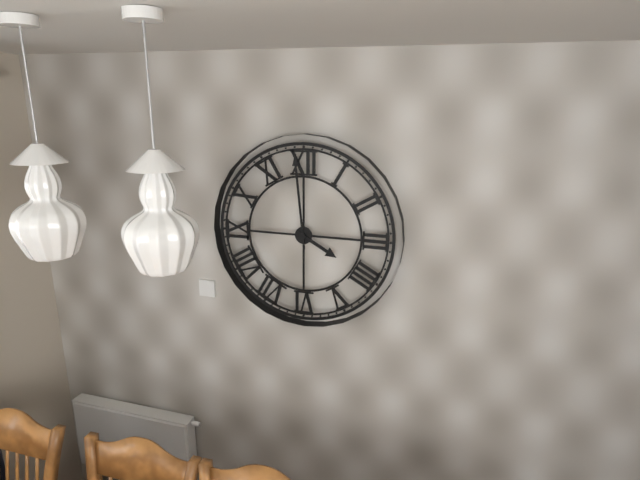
3:59
